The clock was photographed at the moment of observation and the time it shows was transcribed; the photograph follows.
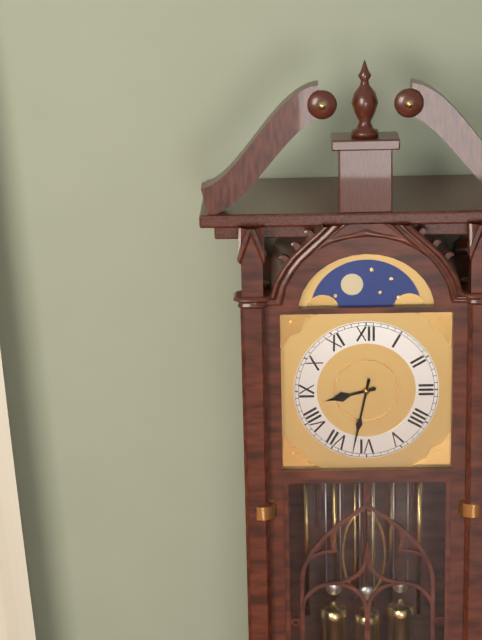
8:32
